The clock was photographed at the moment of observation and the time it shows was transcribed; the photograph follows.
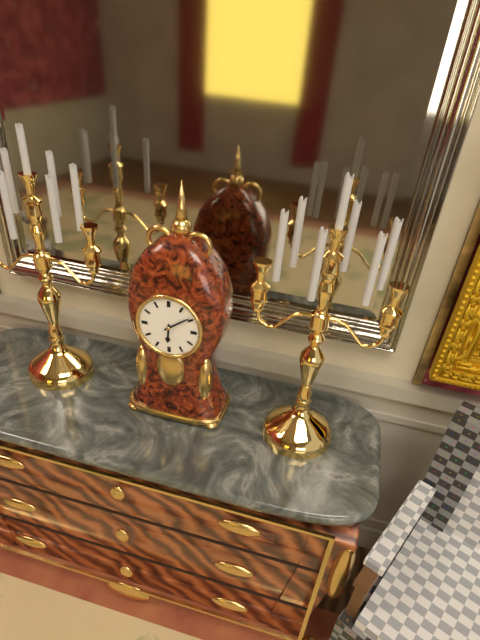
6:09
